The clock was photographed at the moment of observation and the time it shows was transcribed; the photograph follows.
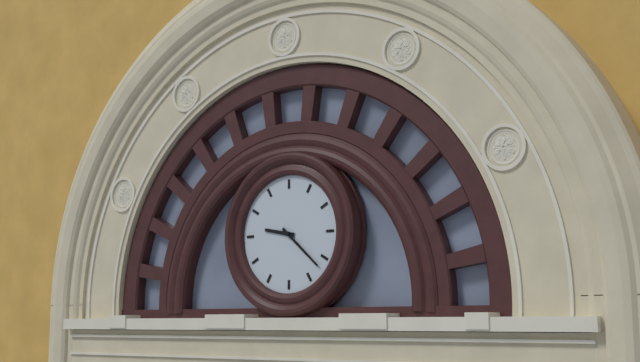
9:22
